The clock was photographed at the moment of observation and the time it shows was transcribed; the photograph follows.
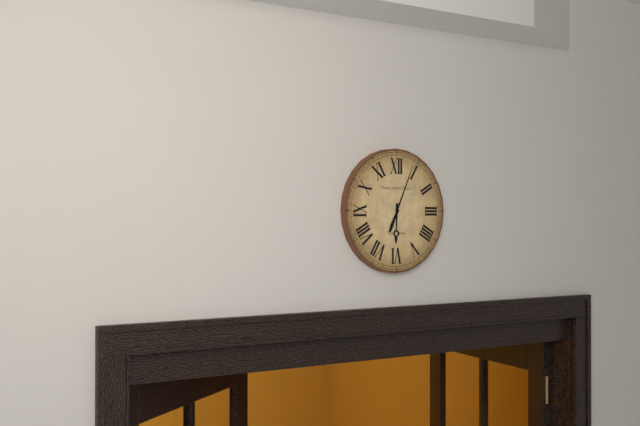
6:04
